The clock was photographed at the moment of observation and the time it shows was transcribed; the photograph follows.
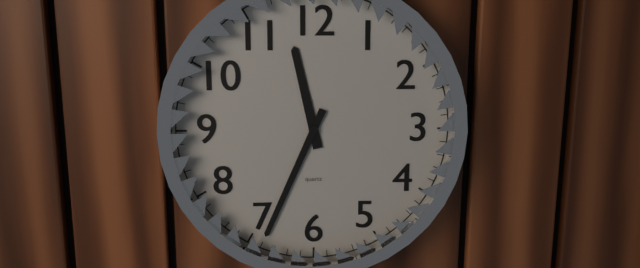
11:34
